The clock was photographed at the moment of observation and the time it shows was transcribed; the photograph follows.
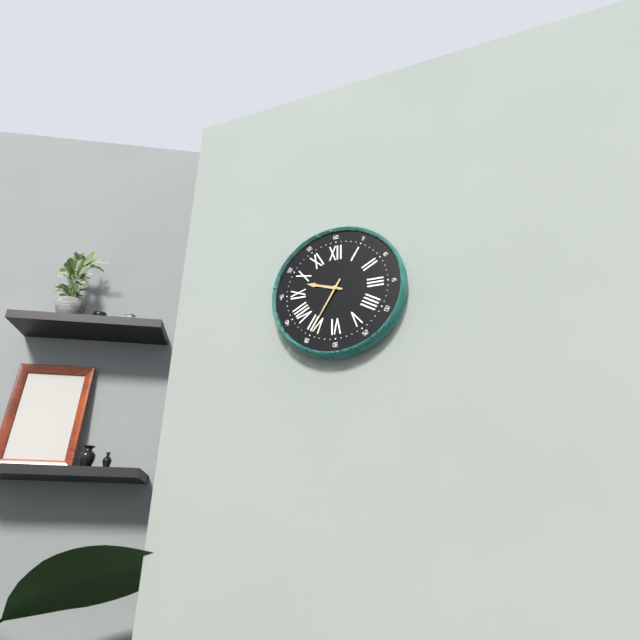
9:35
